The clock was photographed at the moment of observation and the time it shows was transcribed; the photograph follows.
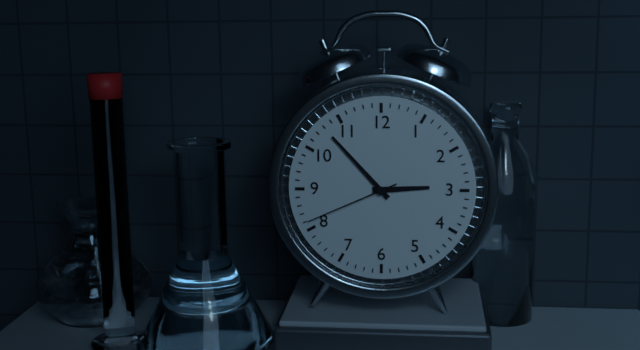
2:53:41
